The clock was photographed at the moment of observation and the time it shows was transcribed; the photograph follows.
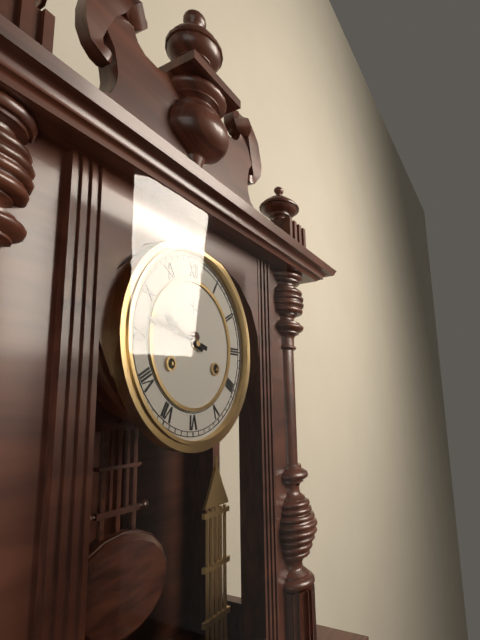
9:47
